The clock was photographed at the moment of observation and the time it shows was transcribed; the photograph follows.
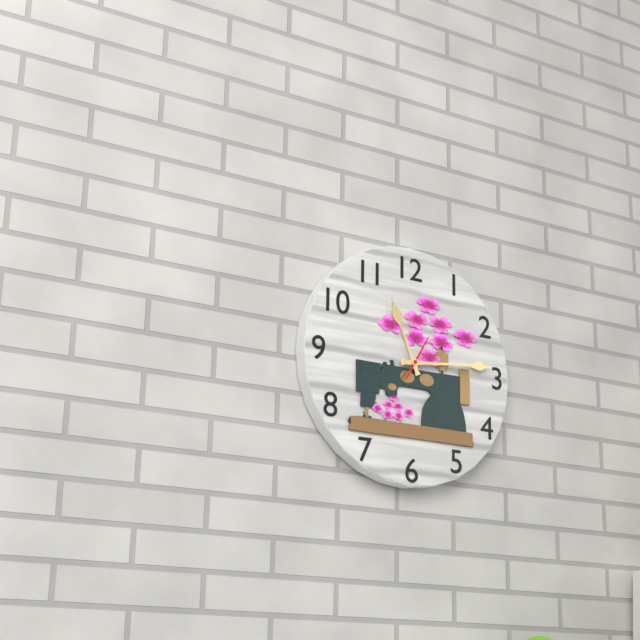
11:14
